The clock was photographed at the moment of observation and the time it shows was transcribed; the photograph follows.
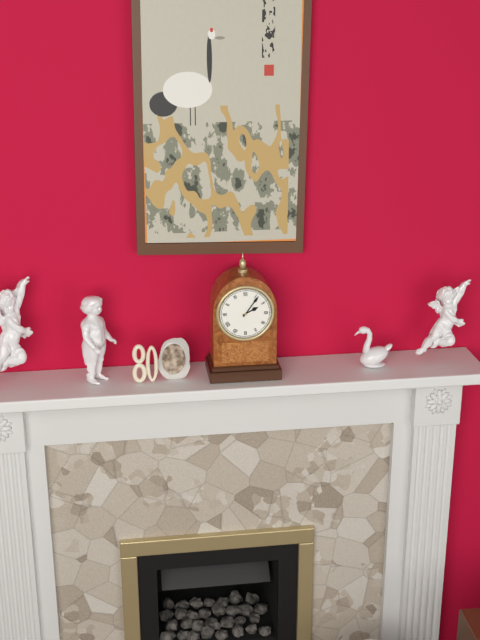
2:06
